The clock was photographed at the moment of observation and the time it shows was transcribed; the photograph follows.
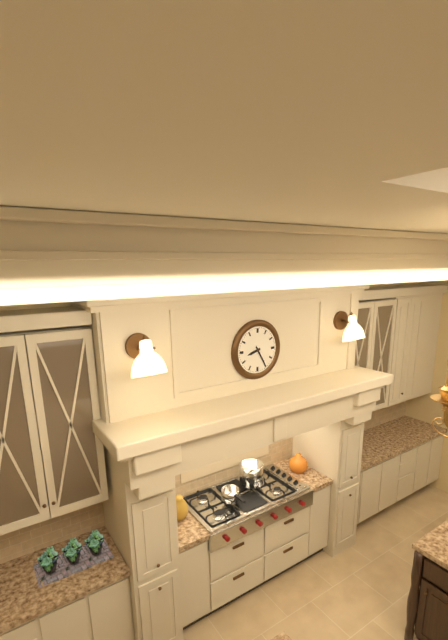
8:25
